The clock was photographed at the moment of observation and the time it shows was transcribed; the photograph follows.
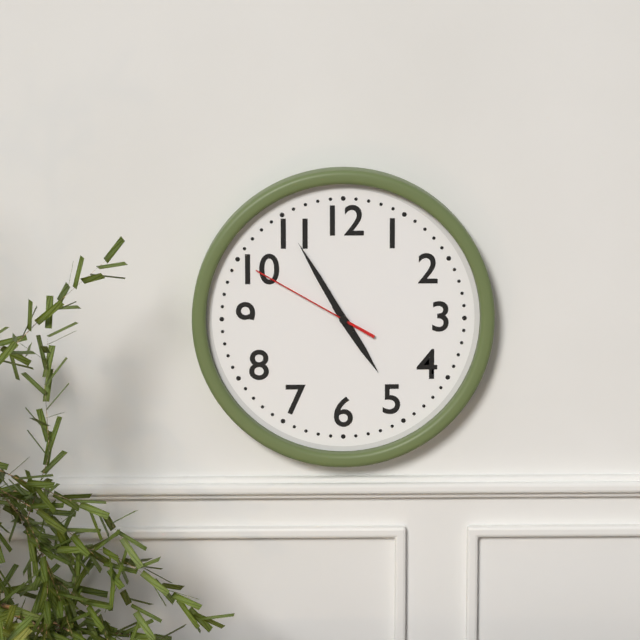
4:55:50
